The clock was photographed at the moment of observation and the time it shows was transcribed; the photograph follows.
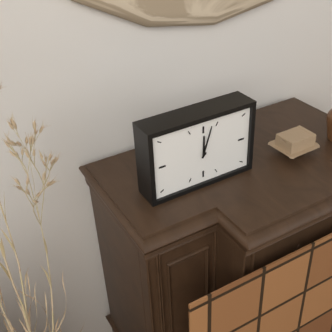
12:03
